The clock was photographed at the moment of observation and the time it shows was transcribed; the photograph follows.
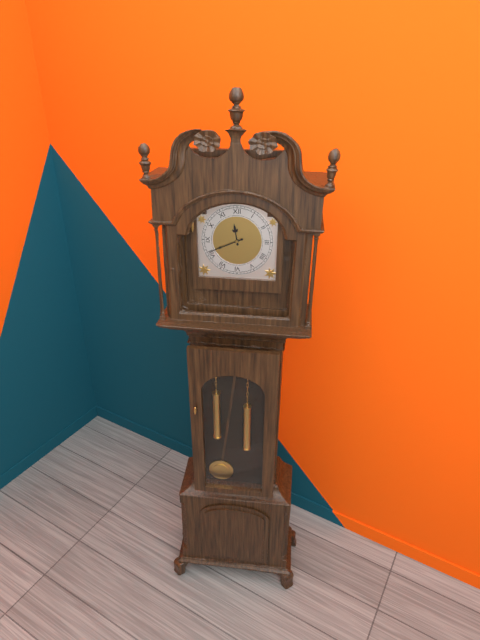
11:41
